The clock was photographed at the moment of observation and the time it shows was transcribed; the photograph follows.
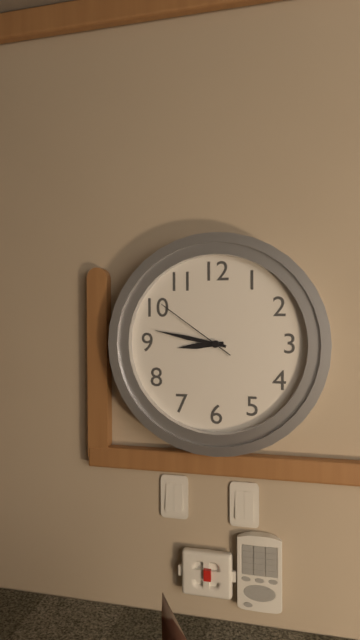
8:47:51
